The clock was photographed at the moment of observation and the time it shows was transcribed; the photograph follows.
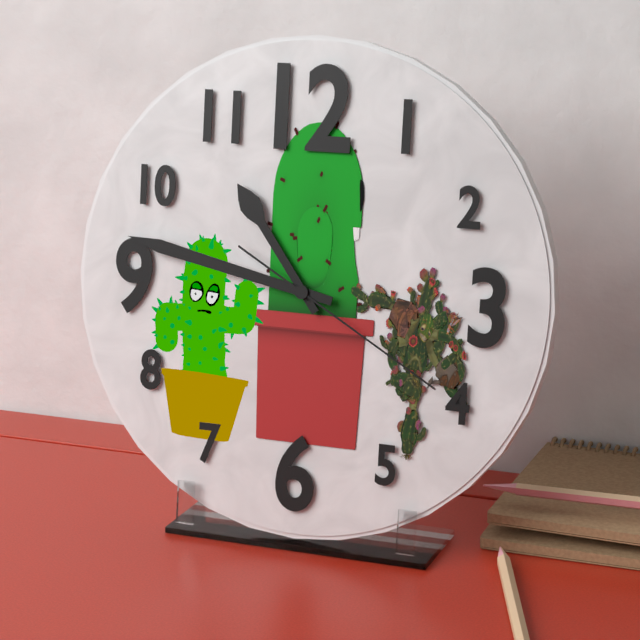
10:47:20
